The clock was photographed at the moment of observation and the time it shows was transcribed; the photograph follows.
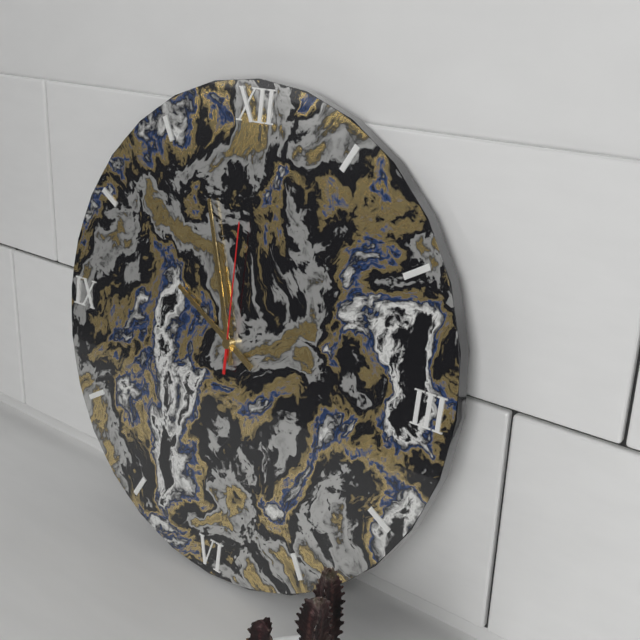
9:57:00
